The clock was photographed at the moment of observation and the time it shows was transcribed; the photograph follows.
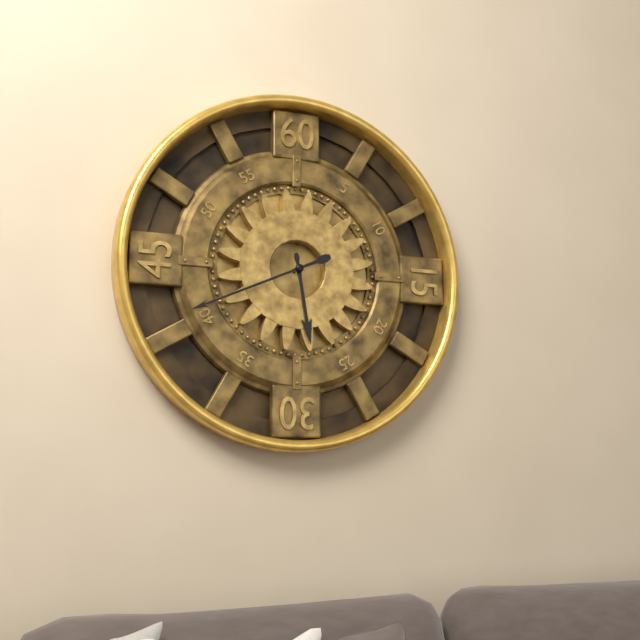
5:41
